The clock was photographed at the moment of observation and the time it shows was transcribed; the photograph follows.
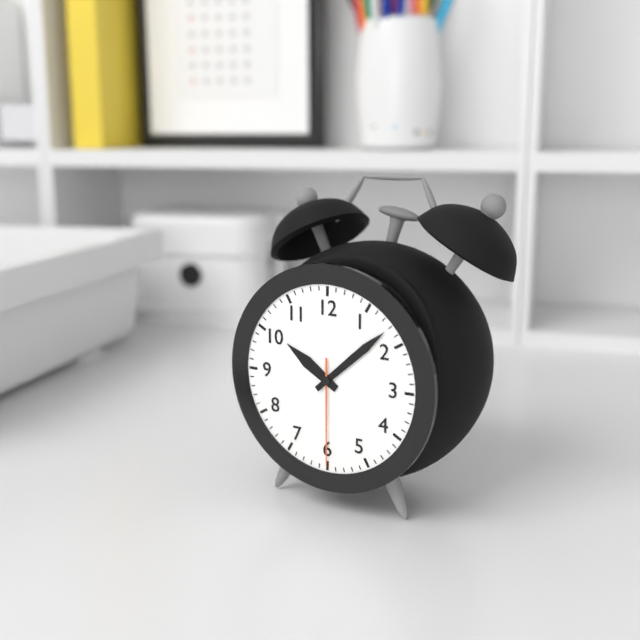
10:08:30
